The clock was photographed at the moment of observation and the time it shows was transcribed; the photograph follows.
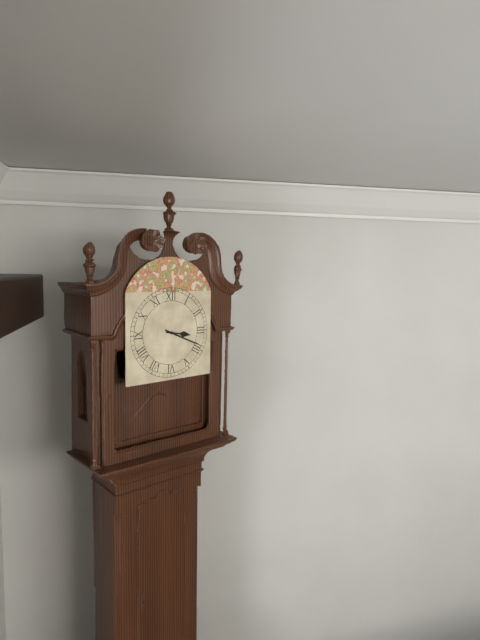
3:19
